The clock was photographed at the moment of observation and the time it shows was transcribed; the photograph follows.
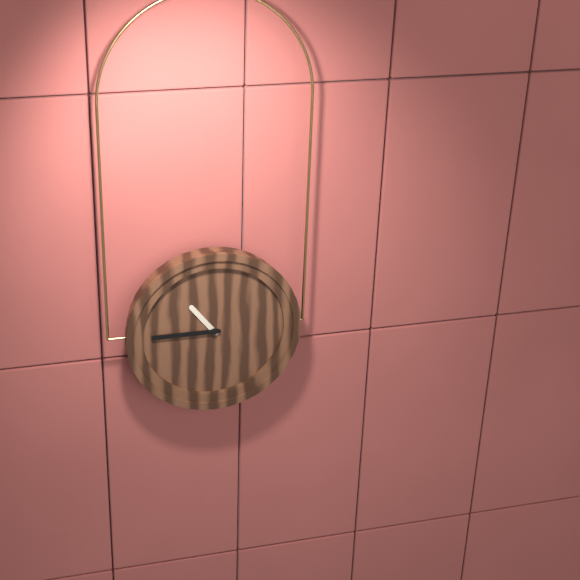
10:45
